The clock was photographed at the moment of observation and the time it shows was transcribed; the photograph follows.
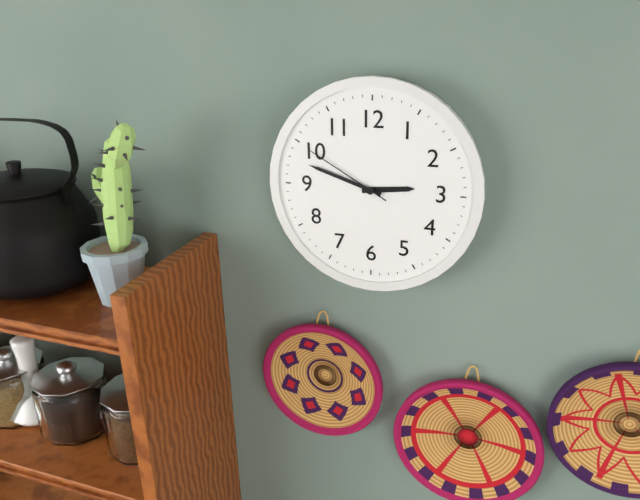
2:48:50
